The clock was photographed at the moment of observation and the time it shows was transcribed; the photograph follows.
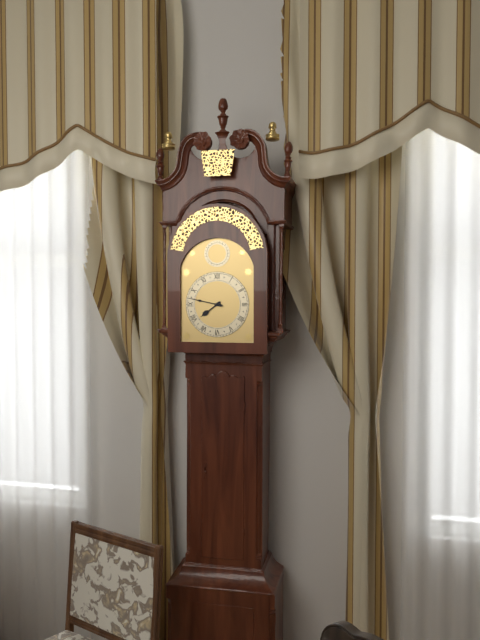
7:47
